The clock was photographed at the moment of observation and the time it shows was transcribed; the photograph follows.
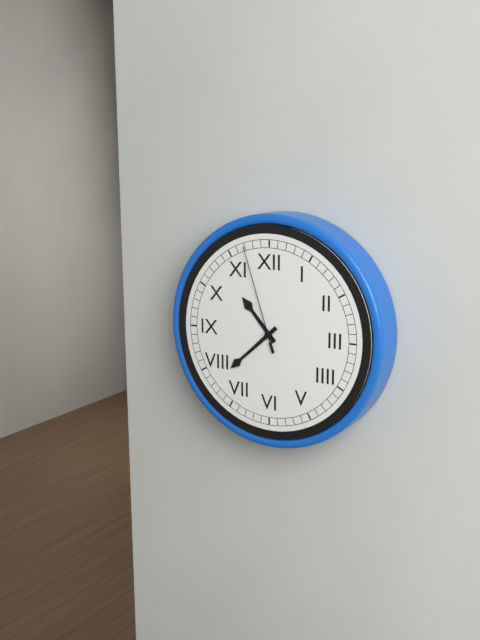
10:38:57
